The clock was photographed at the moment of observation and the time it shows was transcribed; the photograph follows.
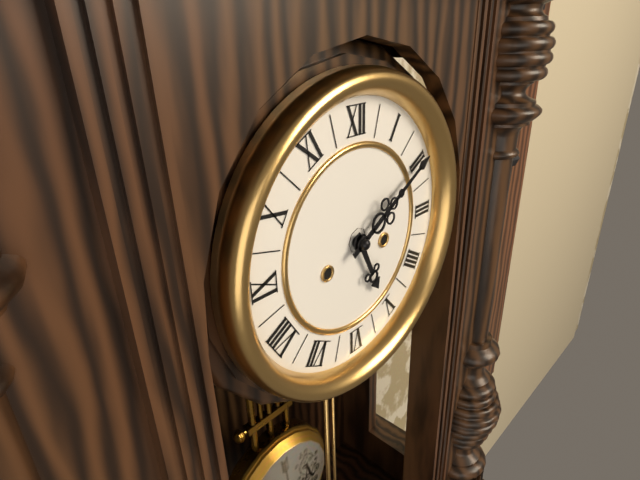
5:10
